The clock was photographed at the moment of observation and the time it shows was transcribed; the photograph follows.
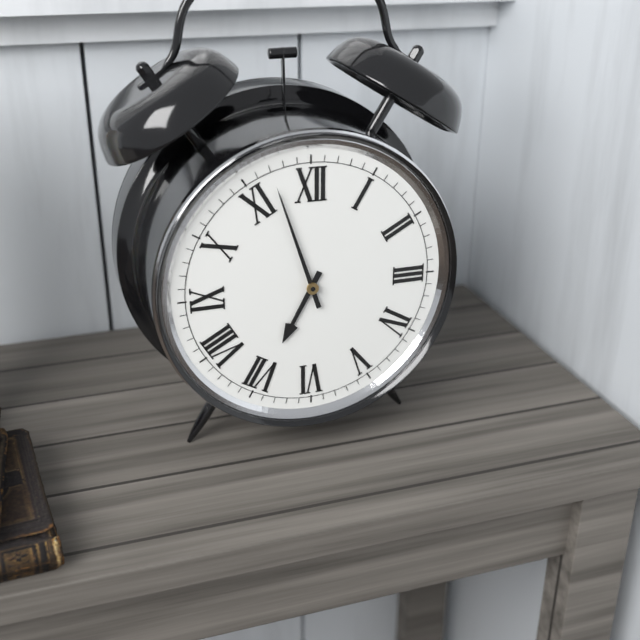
6:57
